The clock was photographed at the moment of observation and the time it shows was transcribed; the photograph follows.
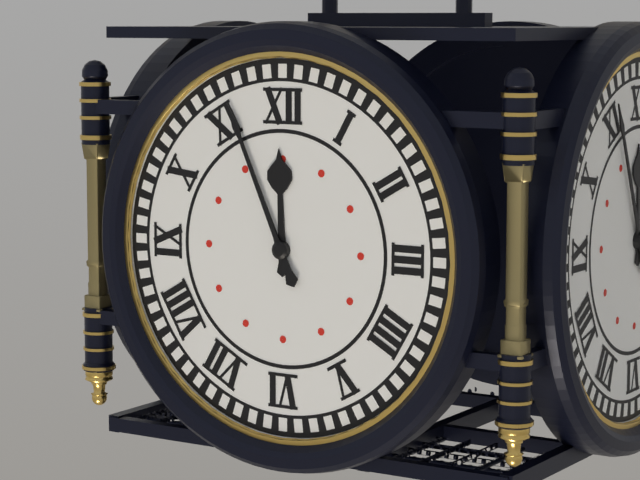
11:56
